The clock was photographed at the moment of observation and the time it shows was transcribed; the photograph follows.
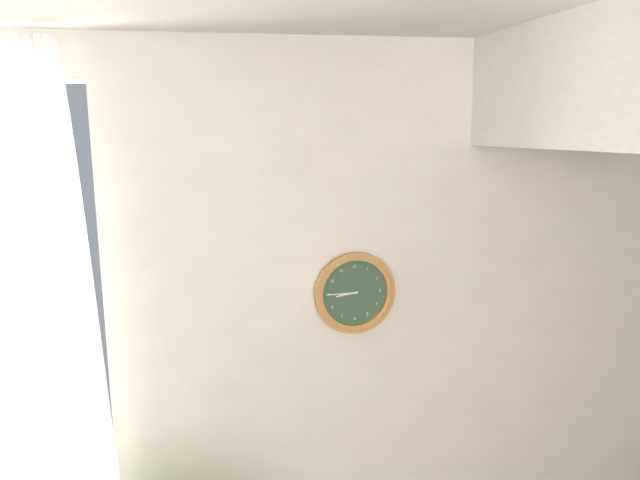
8:45
